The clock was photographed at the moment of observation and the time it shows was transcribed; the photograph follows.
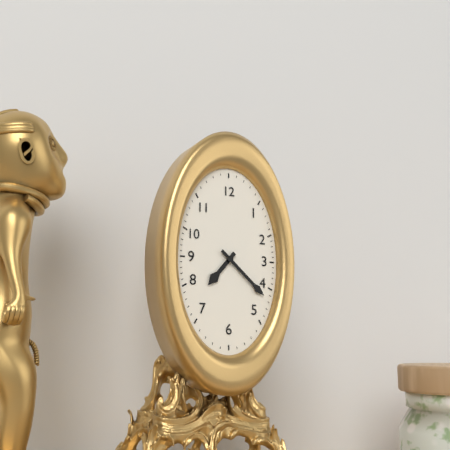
7:22
